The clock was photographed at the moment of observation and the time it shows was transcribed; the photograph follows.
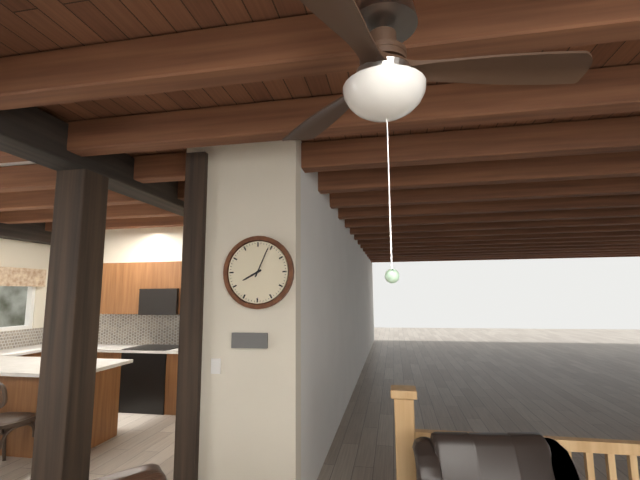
8:04
